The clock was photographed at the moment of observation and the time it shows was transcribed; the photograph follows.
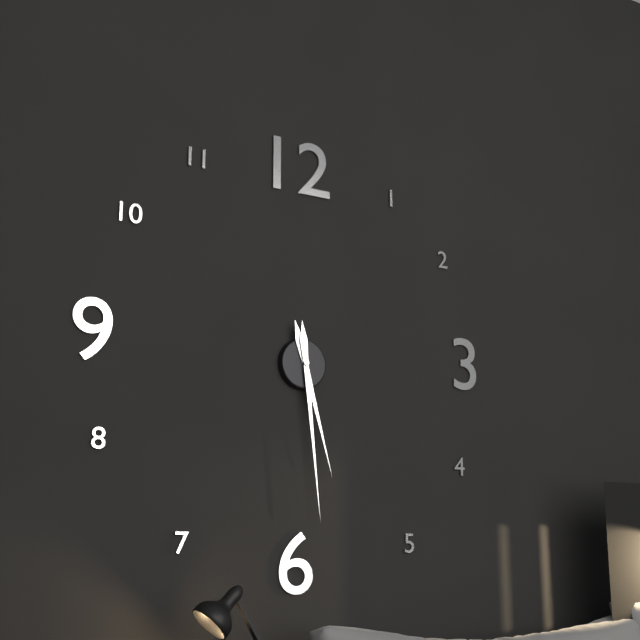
5:29
